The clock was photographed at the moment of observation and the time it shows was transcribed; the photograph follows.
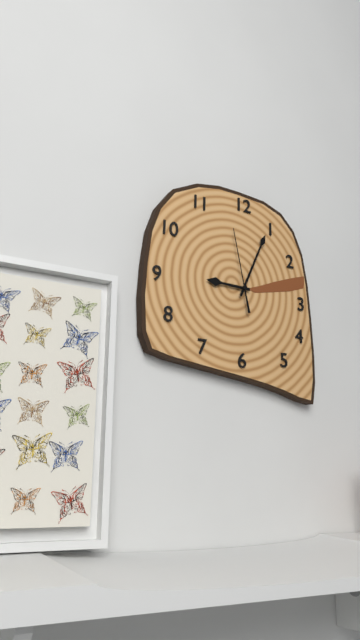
9:04:58
